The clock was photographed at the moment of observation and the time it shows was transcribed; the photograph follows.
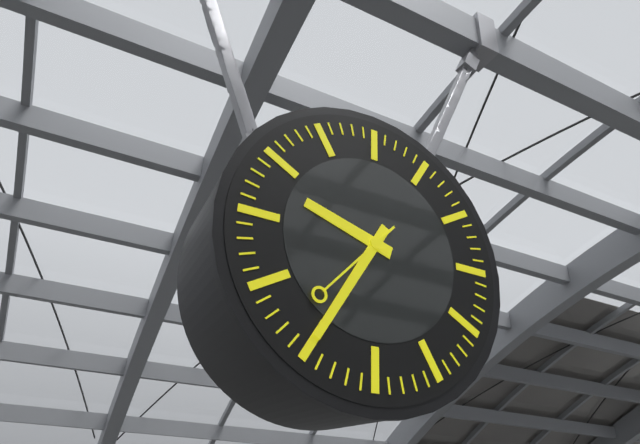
9:35:37
